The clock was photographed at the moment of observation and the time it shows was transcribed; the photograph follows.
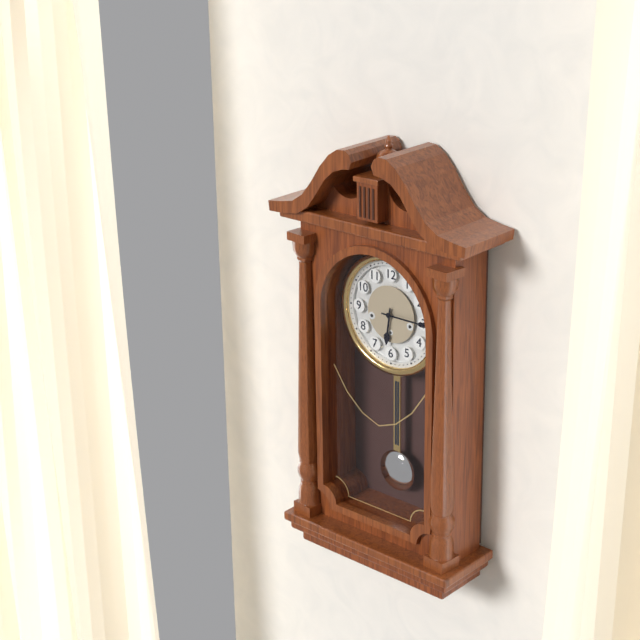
6:15
